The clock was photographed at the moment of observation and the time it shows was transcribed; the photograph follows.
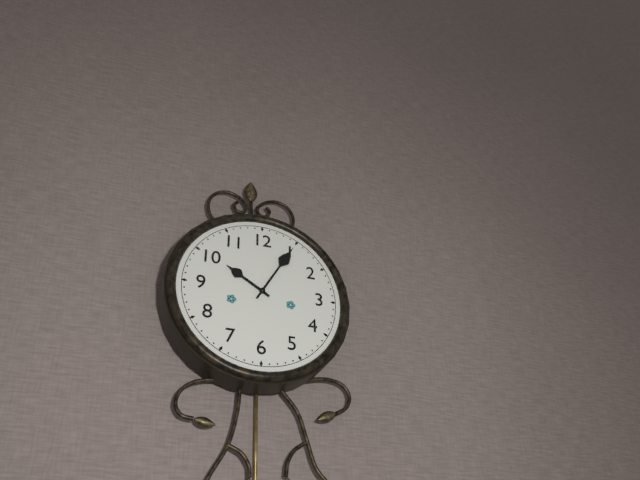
10:05
